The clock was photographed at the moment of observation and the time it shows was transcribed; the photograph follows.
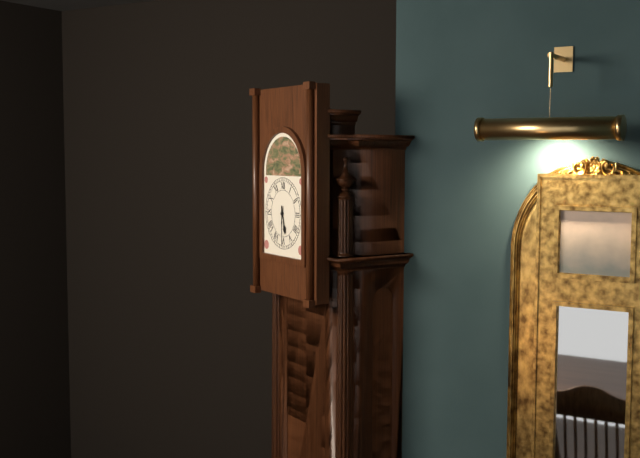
5:30
